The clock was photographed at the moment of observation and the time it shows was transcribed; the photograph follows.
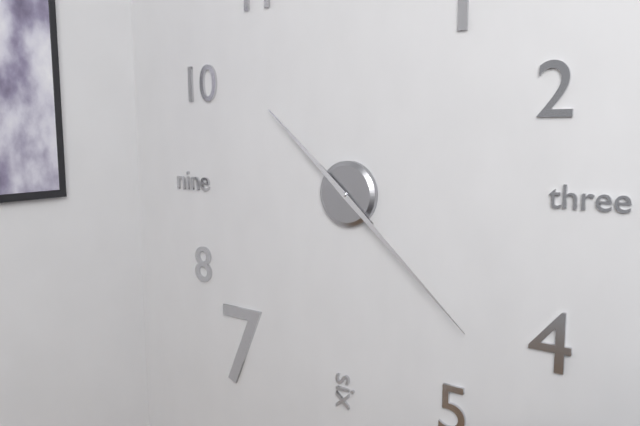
10:22
